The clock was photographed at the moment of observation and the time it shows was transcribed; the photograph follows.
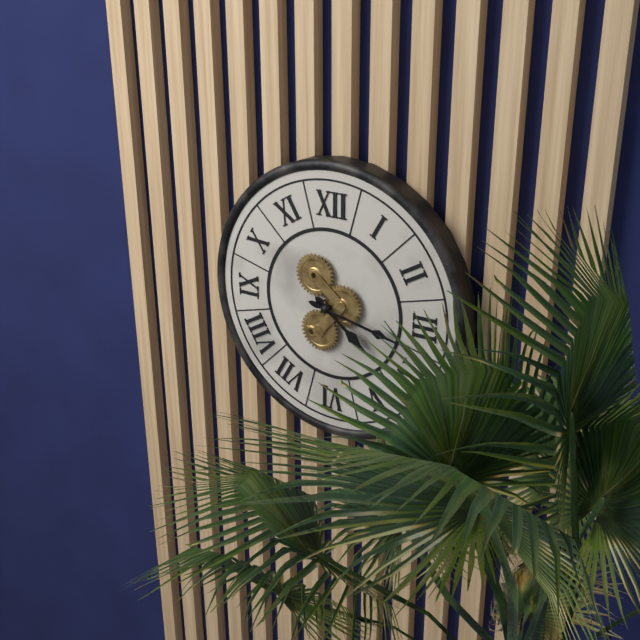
4:17
